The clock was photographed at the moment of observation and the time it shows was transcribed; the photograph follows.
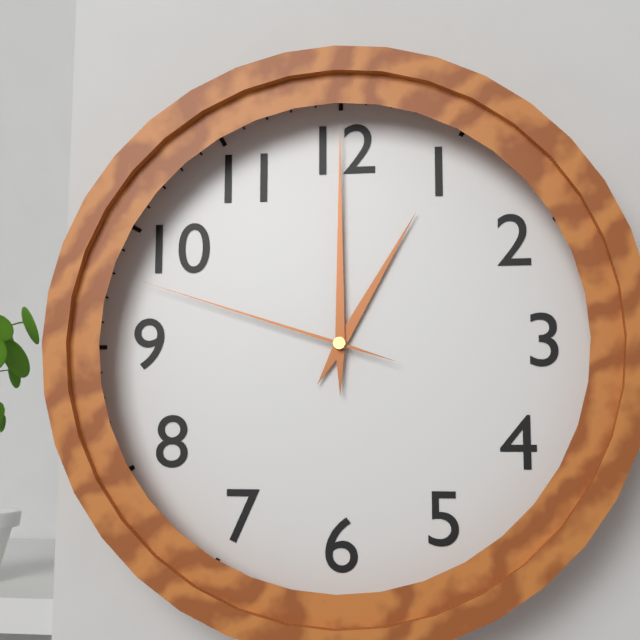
1:00:48
